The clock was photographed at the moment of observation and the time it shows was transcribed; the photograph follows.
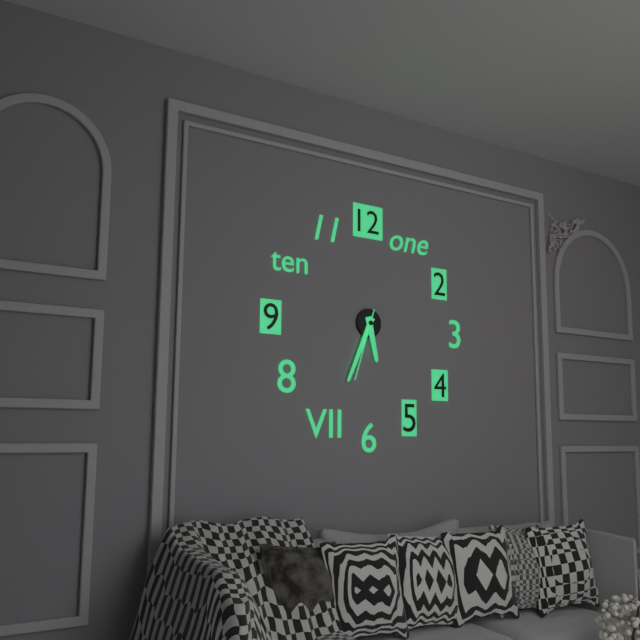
5:34:33
